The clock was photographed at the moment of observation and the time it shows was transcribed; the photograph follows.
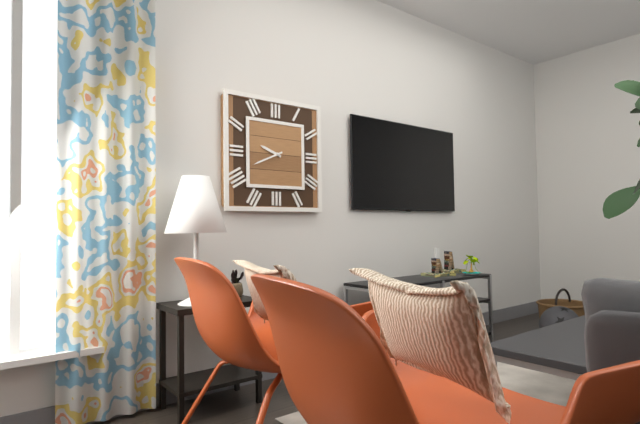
9:41
